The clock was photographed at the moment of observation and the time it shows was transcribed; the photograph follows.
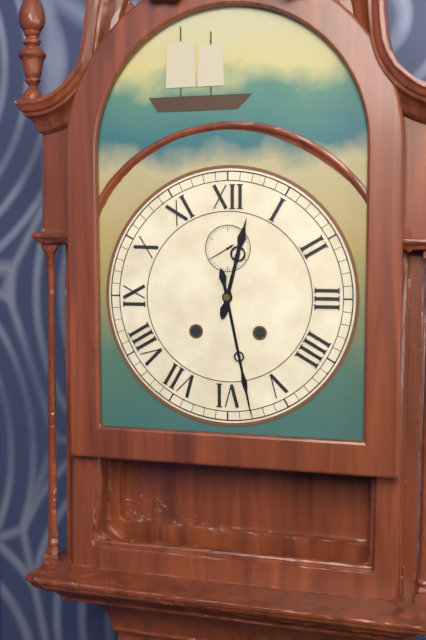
12:28
